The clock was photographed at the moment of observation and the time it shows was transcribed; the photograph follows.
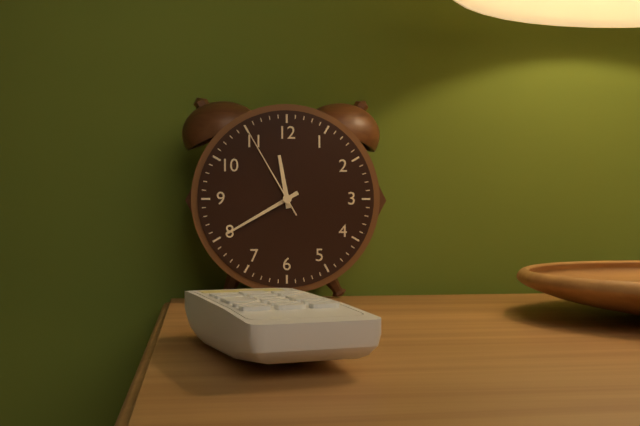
11:40:55
